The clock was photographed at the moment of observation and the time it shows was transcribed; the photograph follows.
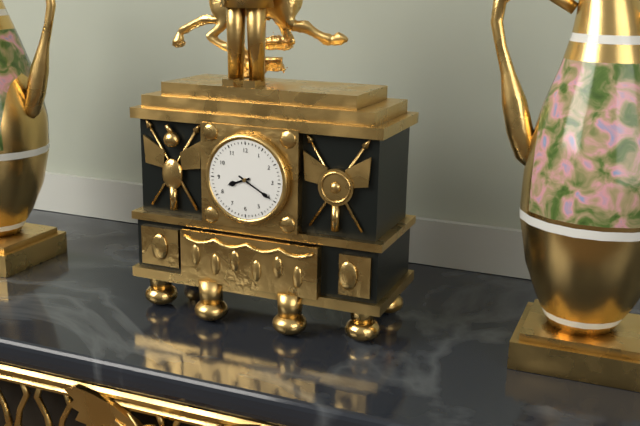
8:20
